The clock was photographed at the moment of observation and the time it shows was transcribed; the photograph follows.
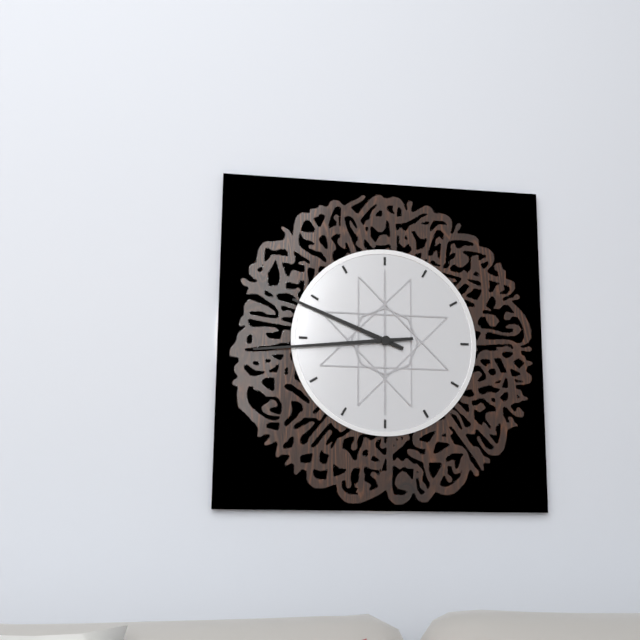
9:44
